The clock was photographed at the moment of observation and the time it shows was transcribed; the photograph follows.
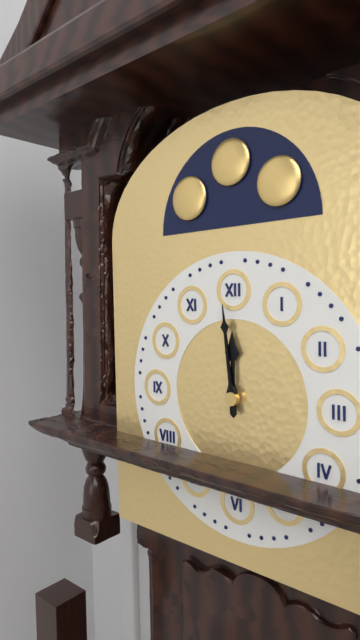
11:59
